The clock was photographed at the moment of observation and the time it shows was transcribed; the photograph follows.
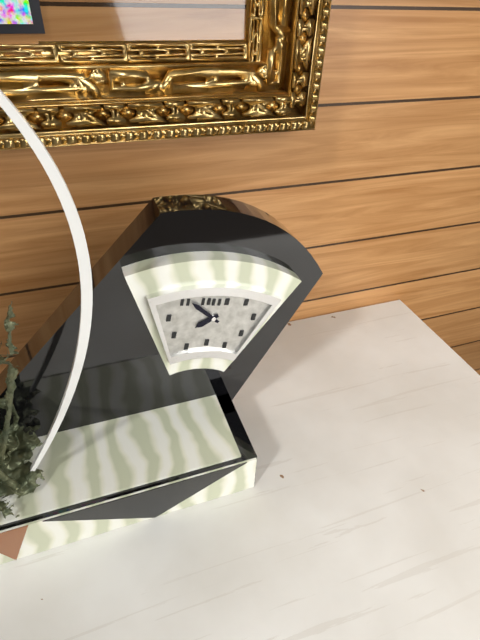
7:51
